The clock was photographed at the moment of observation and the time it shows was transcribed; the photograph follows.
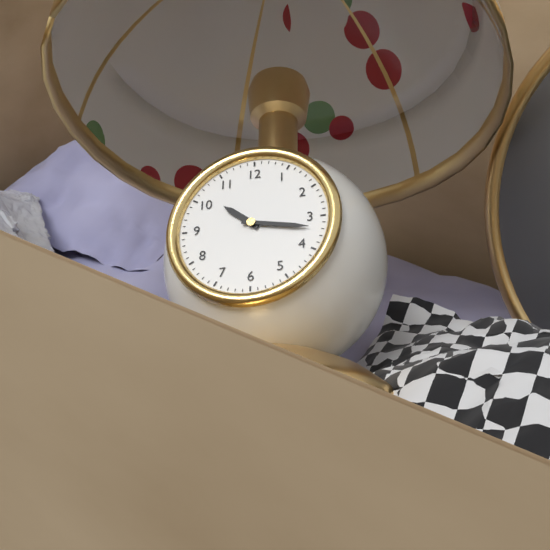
10:17
